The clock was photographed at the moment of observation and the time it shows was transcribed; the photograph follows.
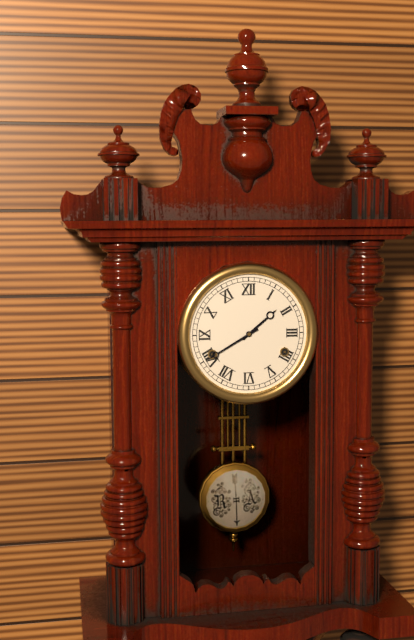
1:40
